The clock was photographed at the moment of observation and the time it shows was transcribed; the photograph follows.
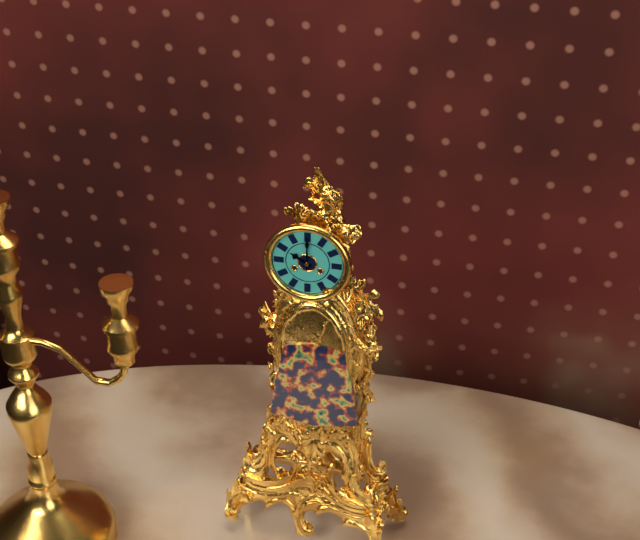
10:00
